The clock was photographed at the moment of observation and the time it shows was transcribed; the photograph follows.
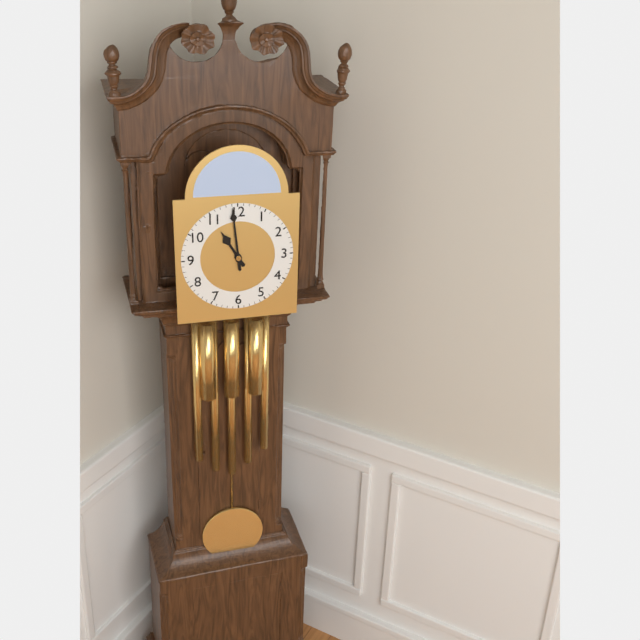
10:59
